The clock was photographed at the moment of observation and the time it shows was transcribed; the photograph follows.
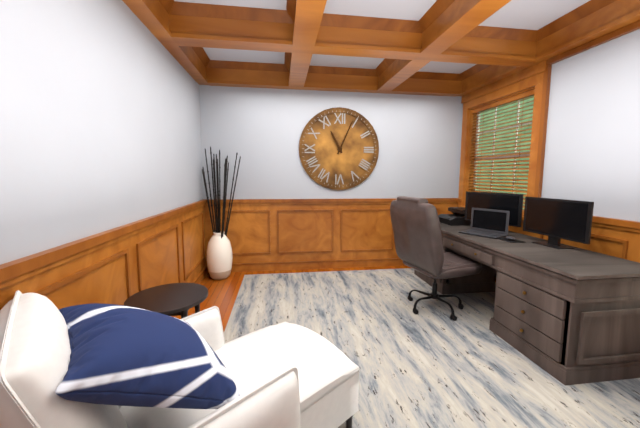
11:04
